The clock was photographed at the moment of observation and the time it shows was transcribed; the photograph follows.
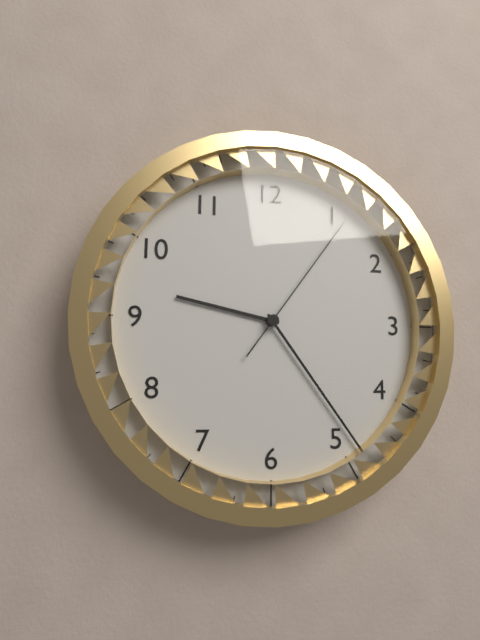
9:24:06
